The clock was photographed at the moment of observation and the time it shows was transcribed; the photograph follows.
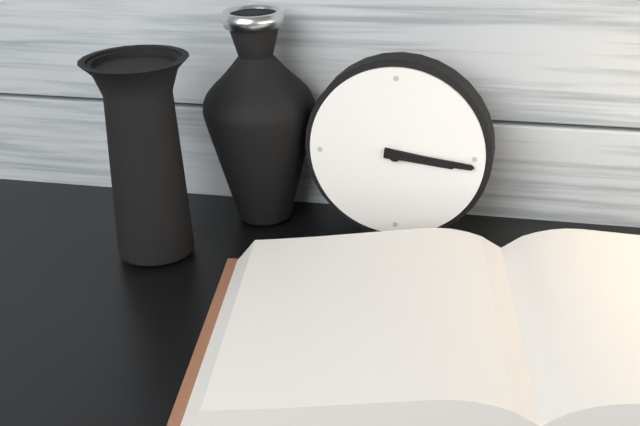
3:16
